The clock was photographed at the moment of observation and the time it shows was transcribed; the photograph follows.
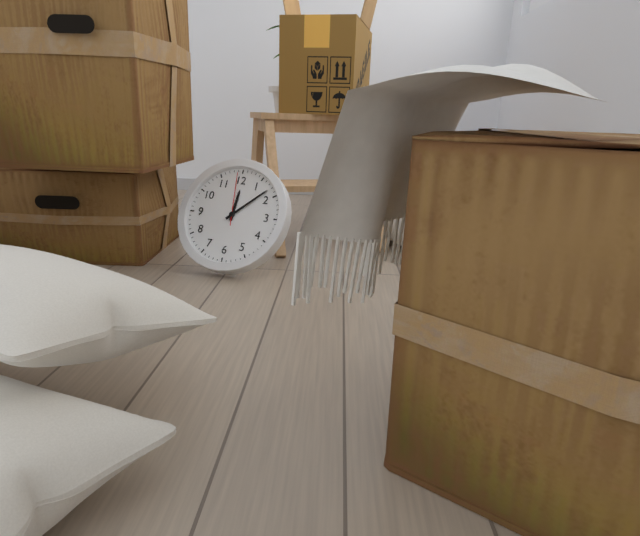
12:08:59
